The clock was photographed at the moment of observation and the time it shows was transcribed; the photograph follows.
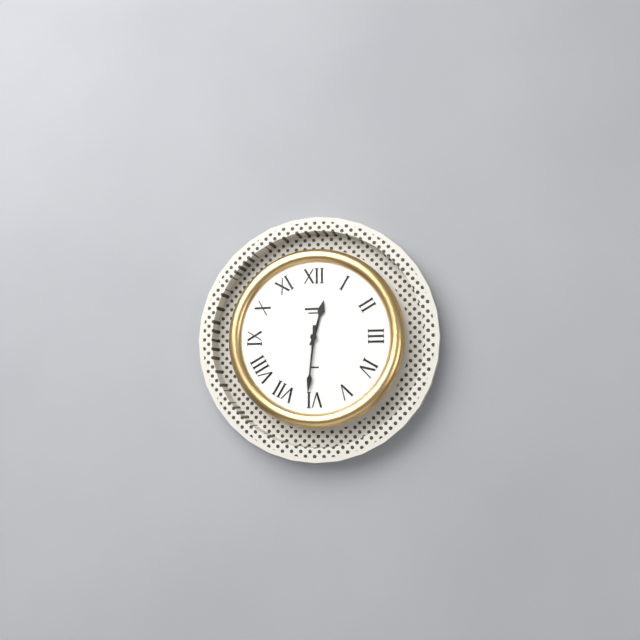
12:31
